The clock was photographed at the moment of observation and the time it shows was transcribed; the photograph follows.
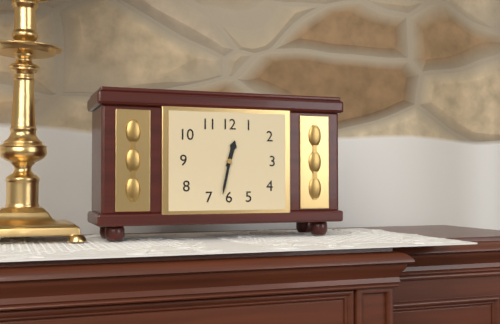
12:32
